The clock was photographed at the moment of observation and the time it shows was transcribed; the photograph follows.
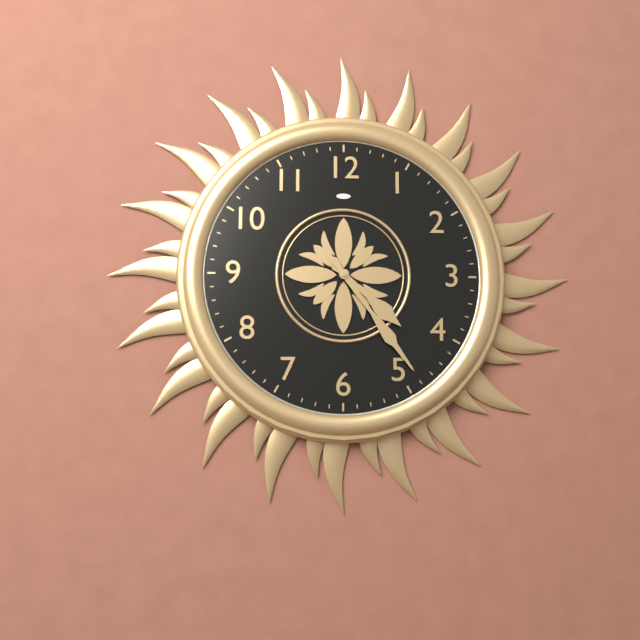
4:24
